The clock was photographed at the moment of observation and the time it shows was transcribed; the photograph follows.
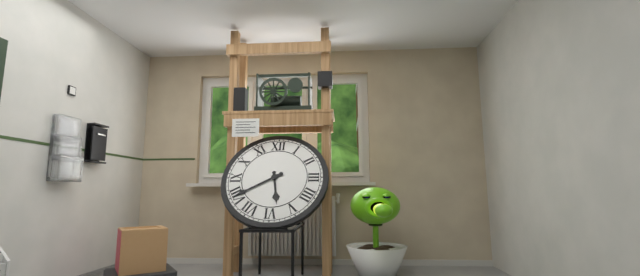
5:40
